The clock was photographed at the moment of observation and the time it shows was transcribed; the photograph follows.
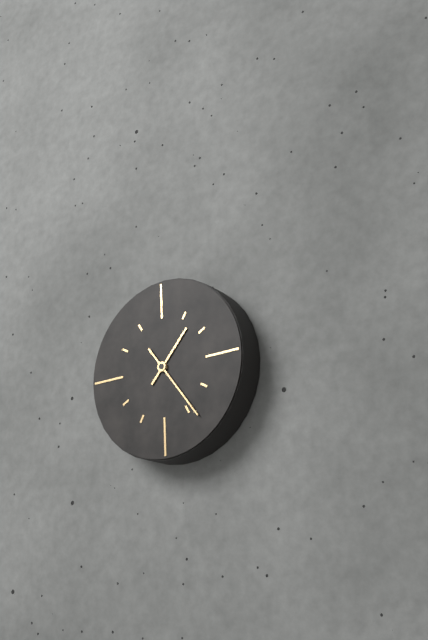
1:24
